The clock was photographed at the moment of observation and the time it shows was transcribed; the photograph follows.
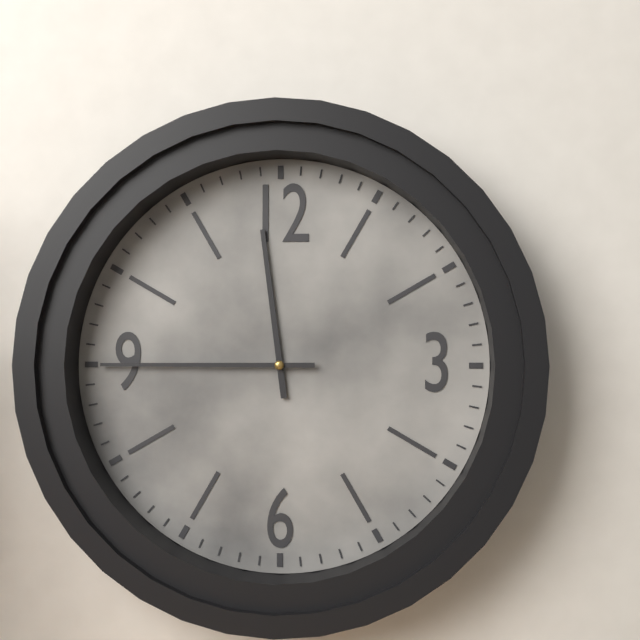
11:45
